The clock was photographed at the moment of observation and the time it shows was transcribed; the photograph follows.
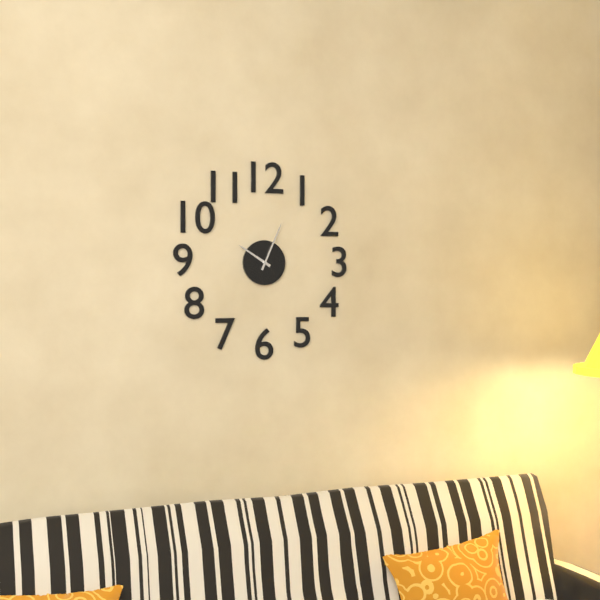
10:04
